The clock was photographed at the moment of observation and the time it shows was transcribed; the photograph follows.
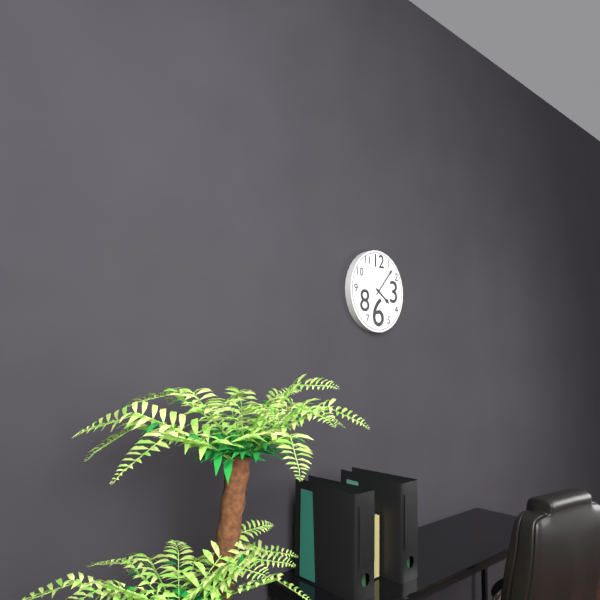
4:07
